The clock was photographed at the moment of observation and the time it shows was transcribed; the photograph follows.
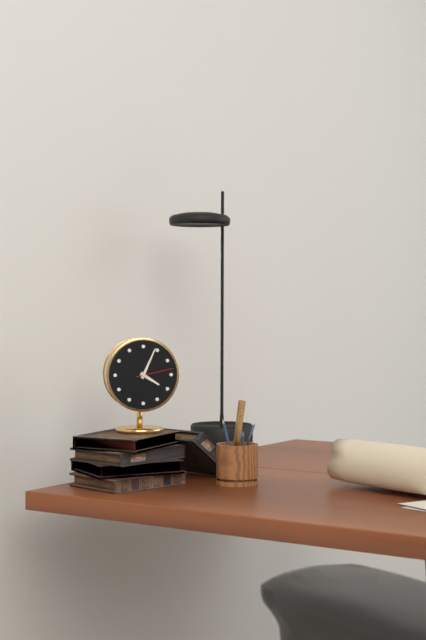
4:04
